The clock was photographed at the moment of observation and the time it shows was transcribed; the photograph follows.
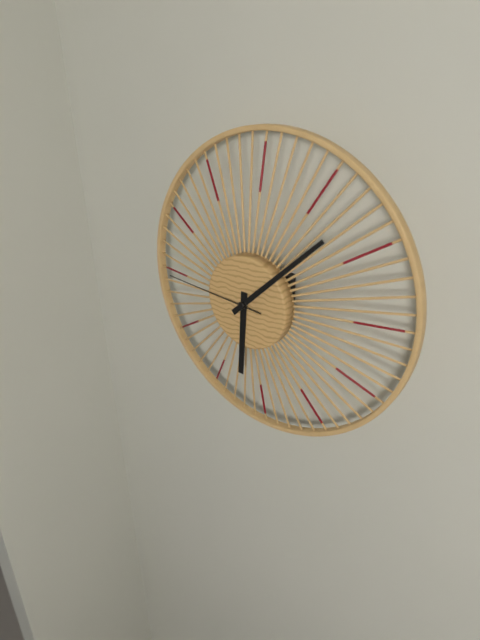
6:08:46
